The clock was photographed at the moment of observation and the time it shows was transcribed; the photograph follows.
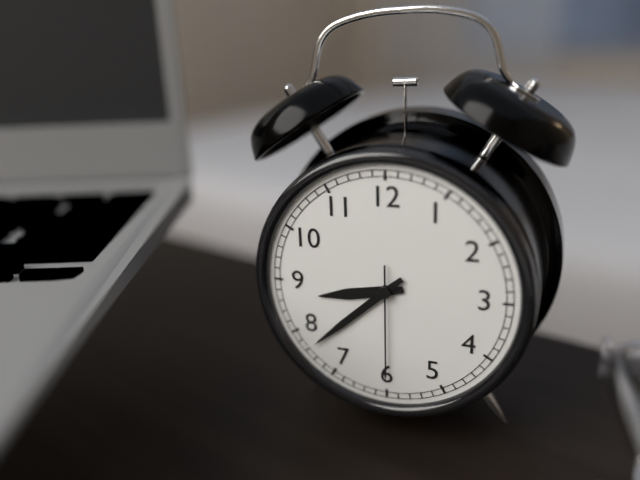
8:38:30
